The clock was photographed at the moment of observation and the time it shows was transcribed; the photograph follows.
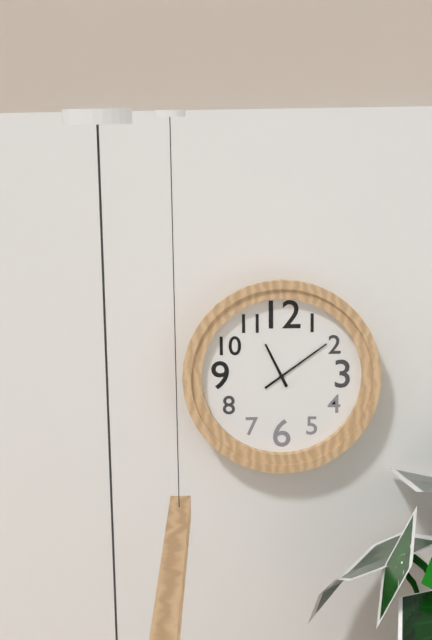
11:09
